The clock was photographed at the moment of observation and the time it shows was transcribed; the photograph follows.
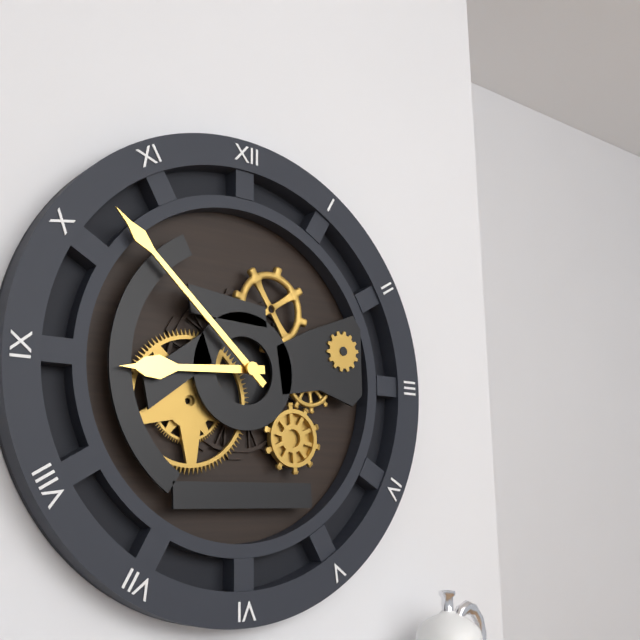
8:52
